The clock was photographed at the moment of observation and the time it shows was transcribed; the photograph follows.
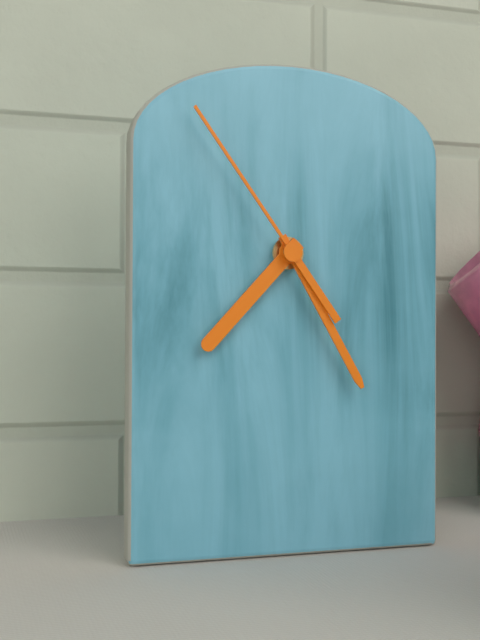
7:25:54
